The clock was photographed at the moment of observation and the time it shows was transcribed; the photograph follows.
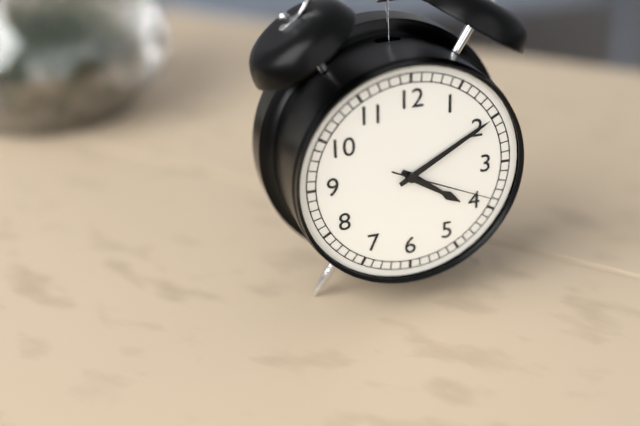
4:10:19
